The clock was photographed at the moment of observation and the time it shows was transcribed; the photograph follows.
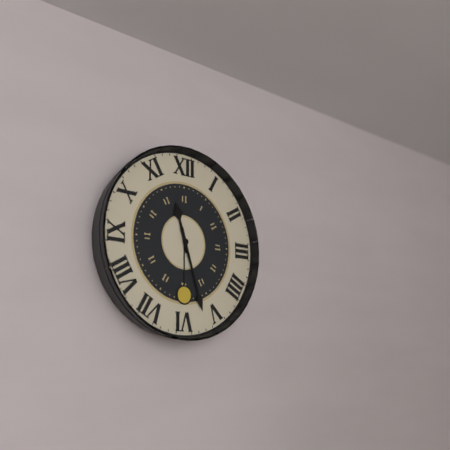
11:27
